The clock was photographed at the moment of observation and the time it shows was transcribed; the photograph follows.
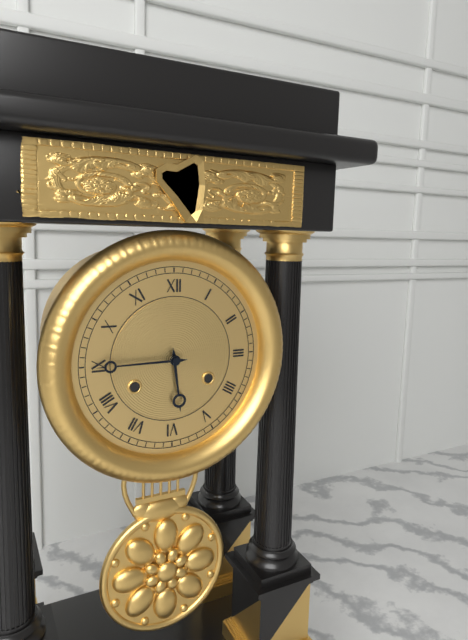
5:45
